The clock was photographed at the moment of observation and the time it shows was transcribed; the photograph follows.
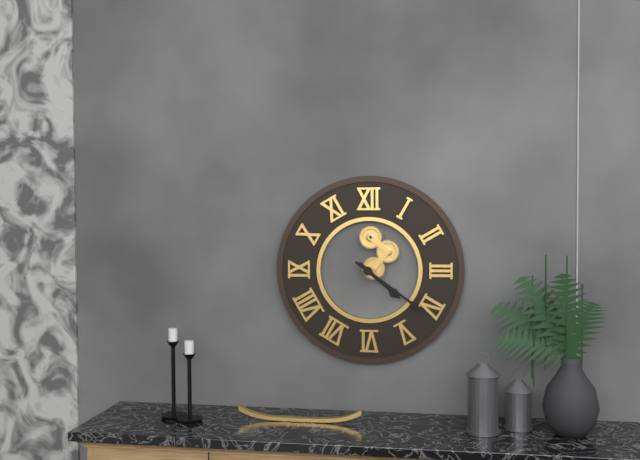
4:21
